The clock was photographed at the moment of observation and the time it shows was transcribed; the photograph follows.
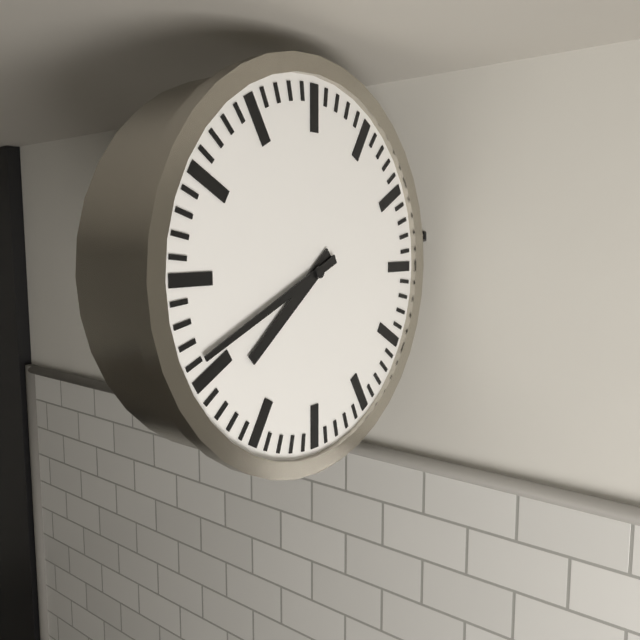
7:41
